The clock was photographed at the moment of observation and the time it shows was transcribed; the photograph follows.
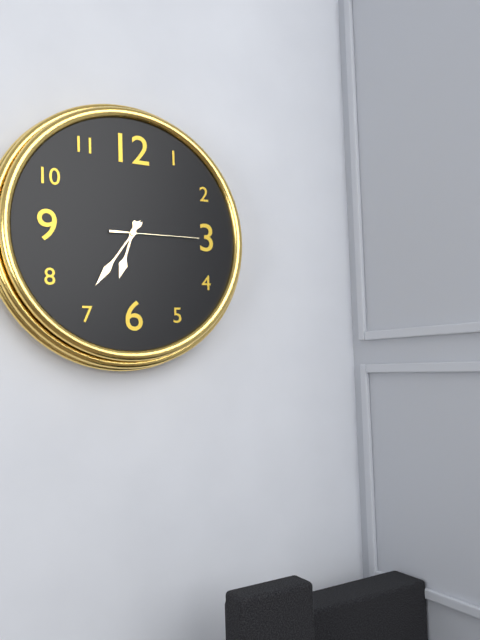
6:36:15
